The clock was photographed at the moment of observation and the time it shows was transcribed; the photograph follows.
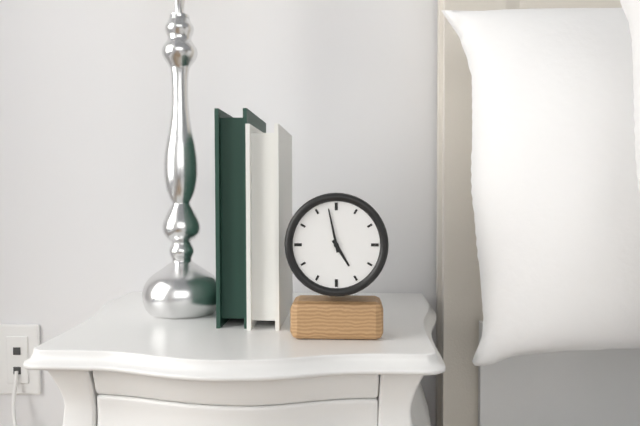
4:58
